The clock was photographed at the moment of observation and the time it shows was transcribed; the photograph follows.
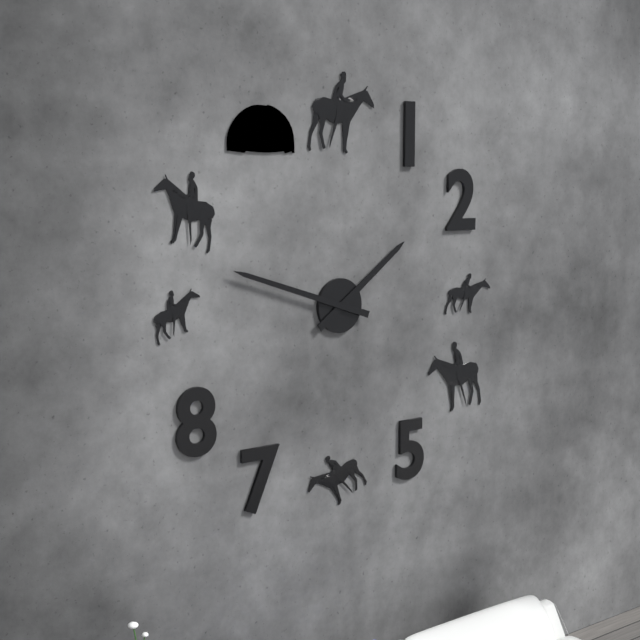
1:48
